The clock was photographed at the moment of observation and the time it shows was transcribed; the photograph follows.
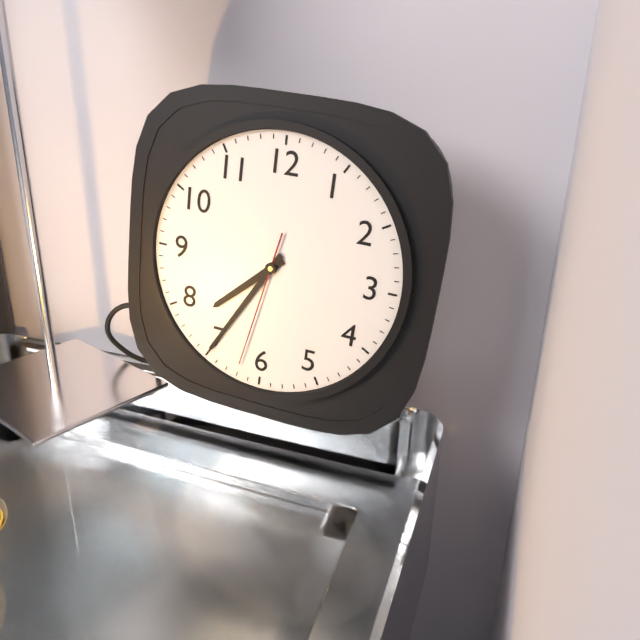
7:35:32
